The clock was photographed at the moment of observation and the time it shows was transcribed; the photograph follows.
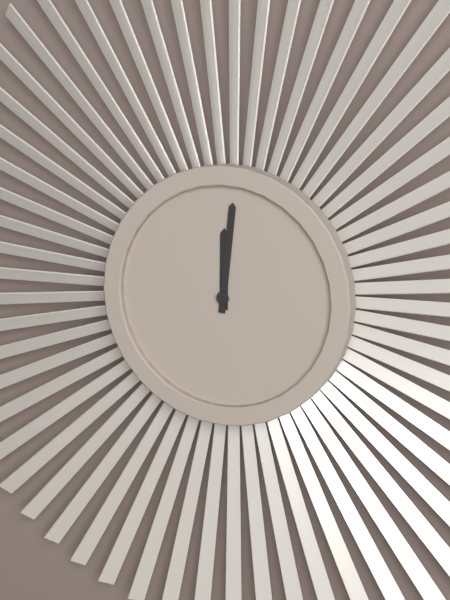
12:01
